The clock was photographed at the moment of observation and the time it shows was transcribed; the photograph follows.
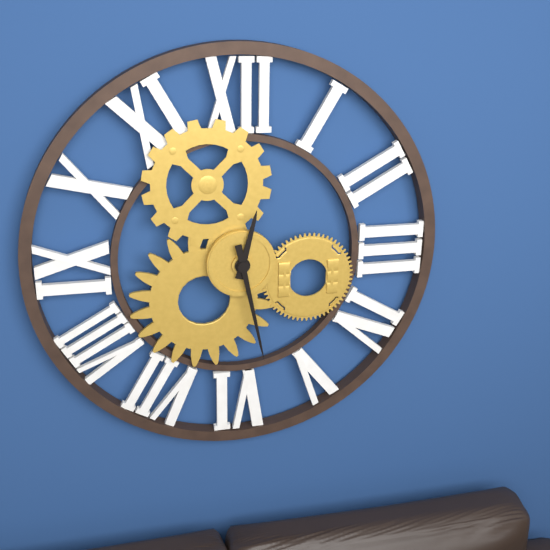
12:28
